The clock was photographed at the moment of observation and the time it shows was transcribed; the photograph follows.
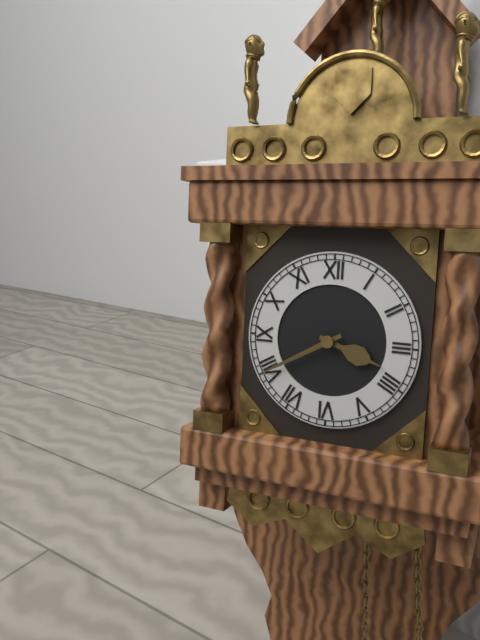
3:40
